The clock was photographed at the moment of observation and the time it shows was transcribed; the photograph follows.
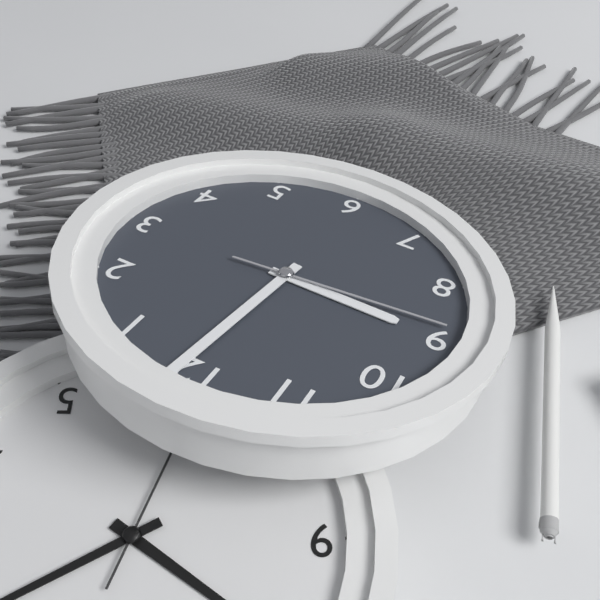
9:01:44
